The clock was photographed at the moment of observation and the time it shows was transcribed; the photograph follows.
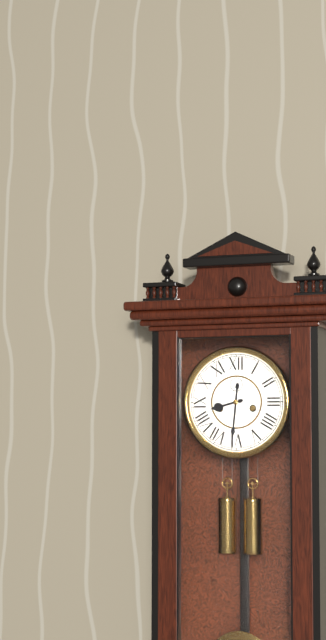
8:31
